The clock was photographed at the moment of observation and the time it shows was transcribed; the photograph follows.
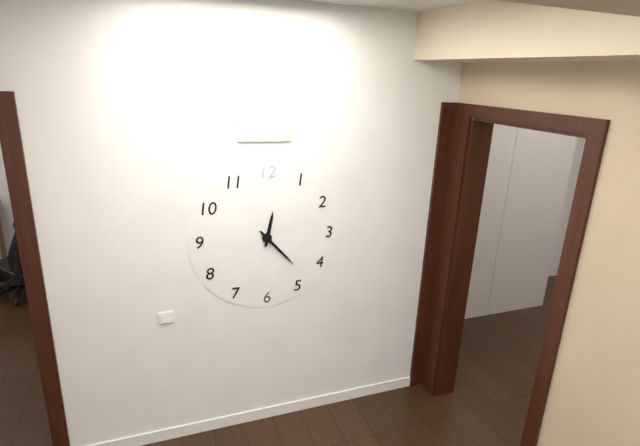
12:23
